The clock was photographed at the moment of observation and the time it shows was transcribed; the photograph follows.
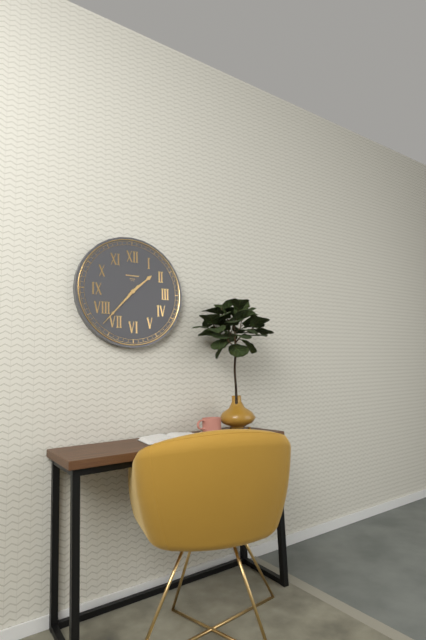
1:37
